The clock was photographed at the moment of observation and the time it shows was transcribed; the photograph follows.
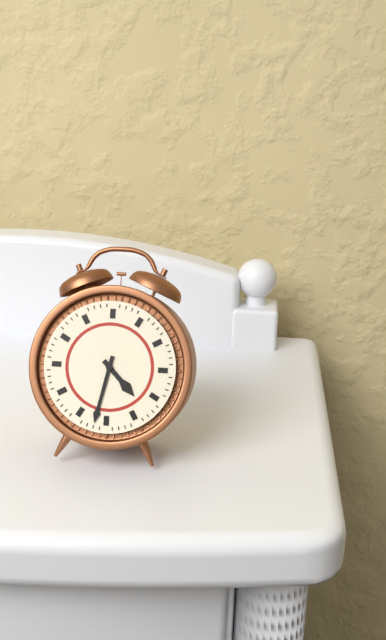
4:32
